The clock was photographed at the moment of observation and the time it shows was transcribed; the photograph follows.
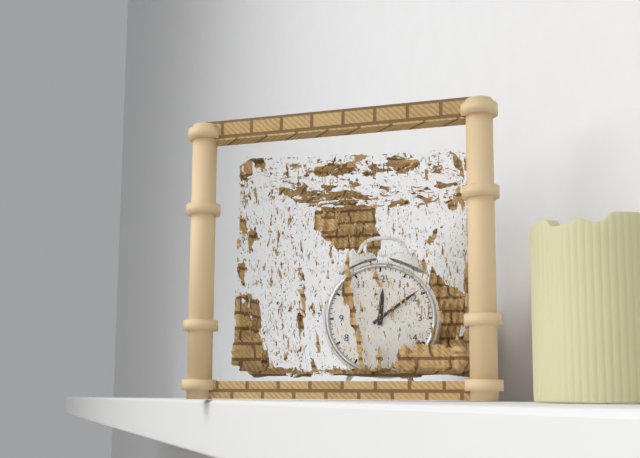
12:09
